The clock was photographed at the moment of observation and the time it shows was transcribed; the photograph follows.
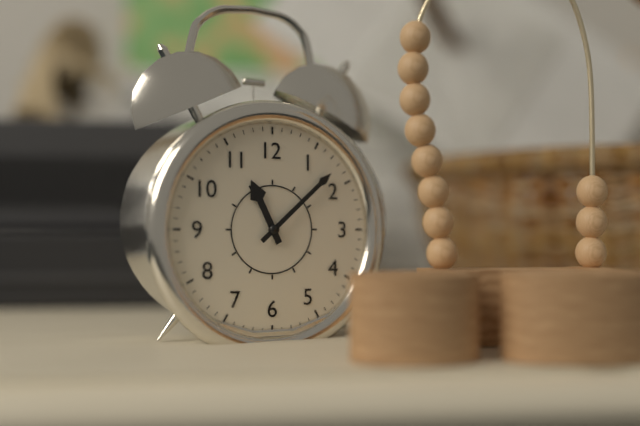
11:08
